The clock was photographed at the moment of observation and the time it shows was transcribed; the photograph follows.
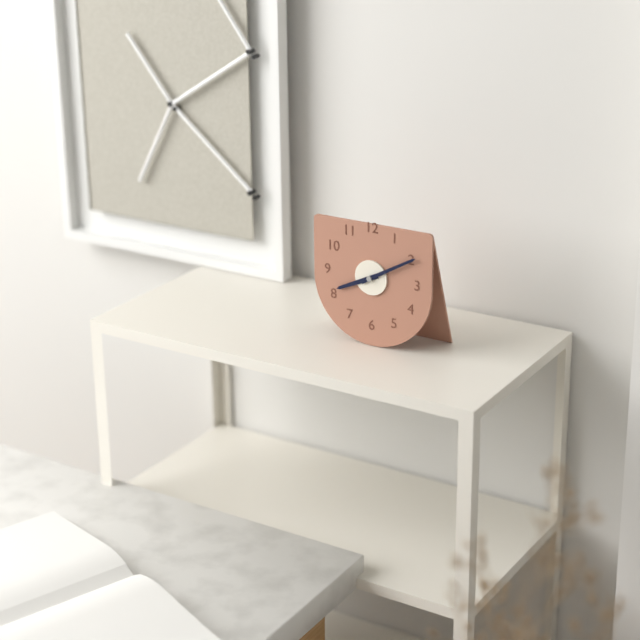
8:10
